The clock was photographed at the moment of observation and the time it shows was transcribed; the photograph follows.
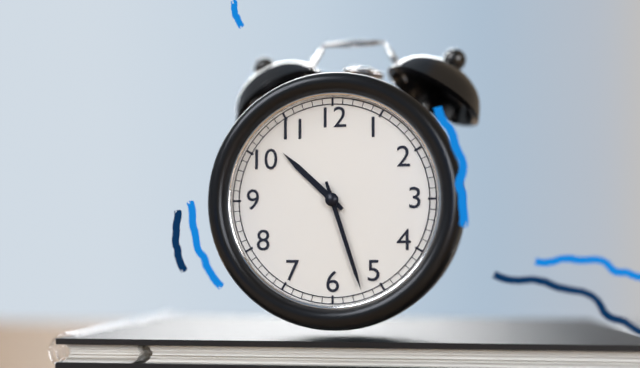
10:27
